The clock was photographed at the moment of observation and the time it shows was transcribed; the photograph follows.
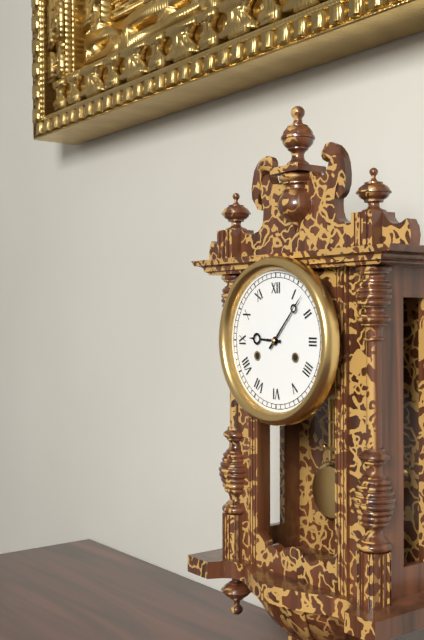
9:07
